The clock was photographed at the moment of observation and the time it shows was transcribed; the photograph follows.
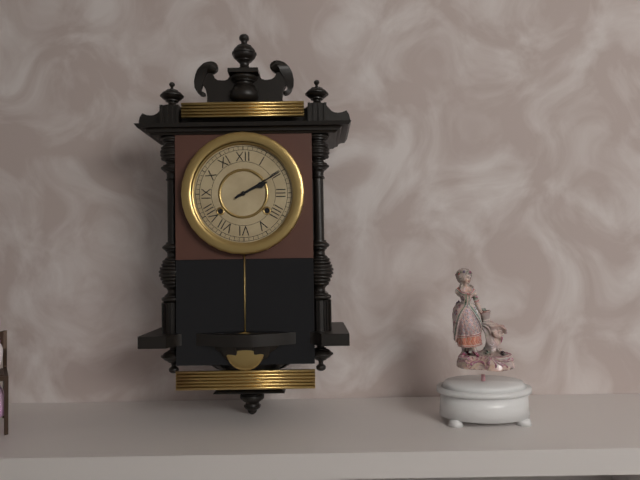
2:10
